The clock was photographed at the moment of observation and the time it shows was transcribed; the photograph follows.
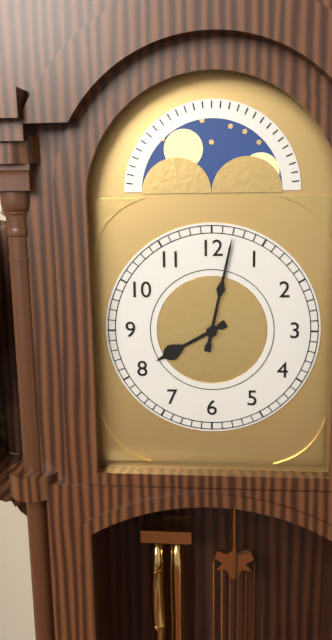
8:02
